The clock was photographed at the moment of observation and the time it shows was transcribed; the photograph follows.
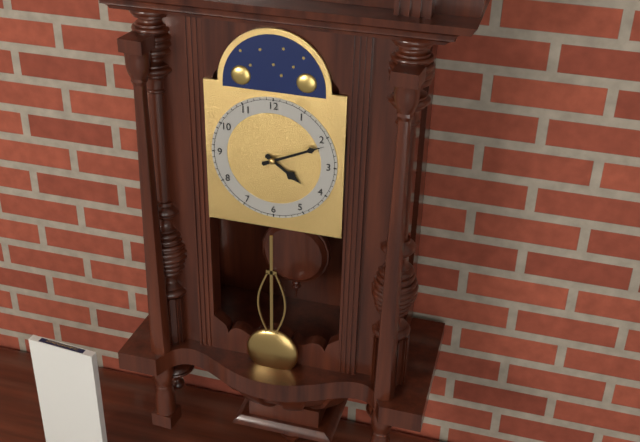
4:11
